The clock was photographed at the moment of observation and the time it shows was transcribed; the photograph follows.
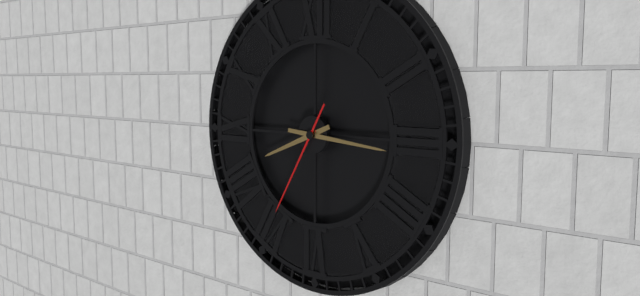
8:16:35
